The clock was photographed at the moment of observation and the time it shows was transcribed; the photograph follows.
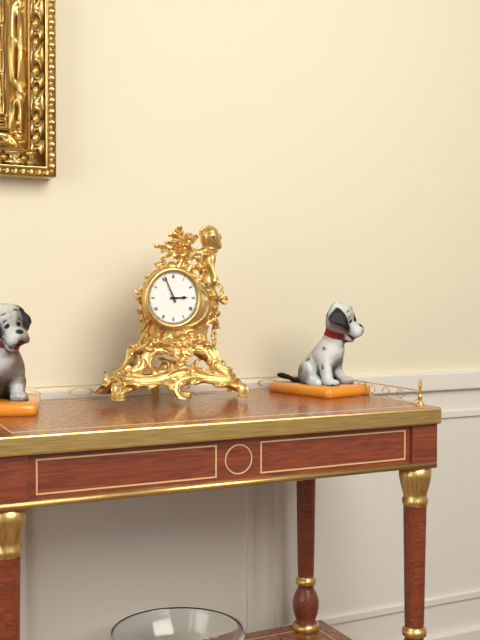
2:56
